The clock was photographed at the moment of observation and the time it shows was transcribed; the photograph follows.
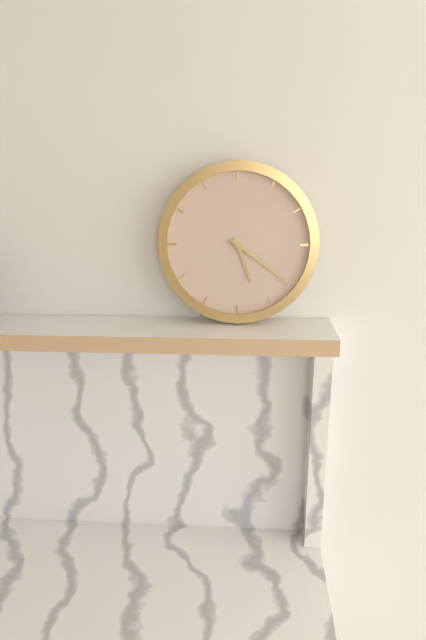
5:21
